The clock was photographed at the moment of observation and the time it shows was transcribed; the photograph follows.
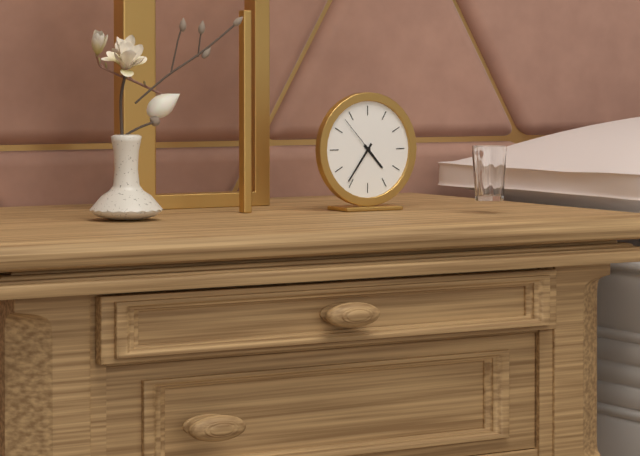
4:36
